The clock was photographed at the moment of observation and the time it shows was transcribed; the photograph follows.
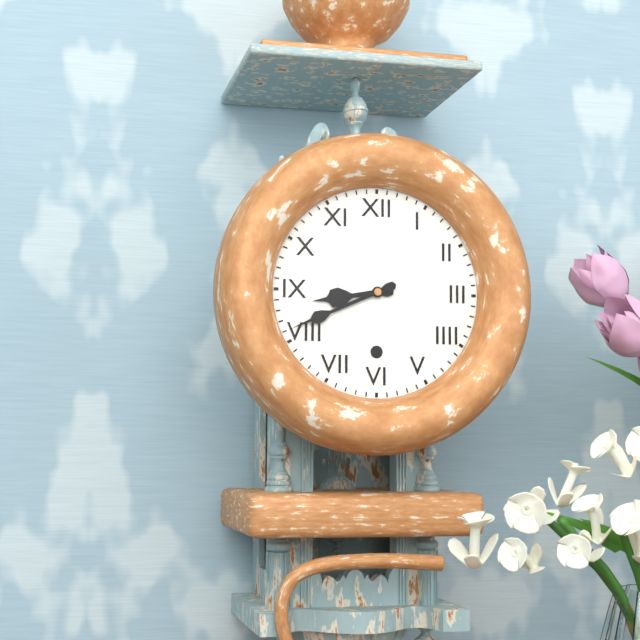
8:41
